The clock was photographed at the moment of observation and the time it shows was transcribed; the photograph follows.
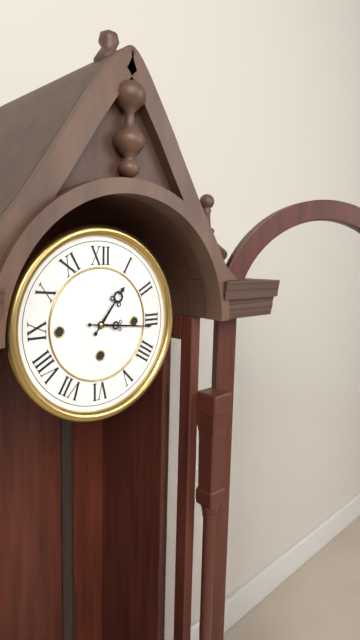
1:16
